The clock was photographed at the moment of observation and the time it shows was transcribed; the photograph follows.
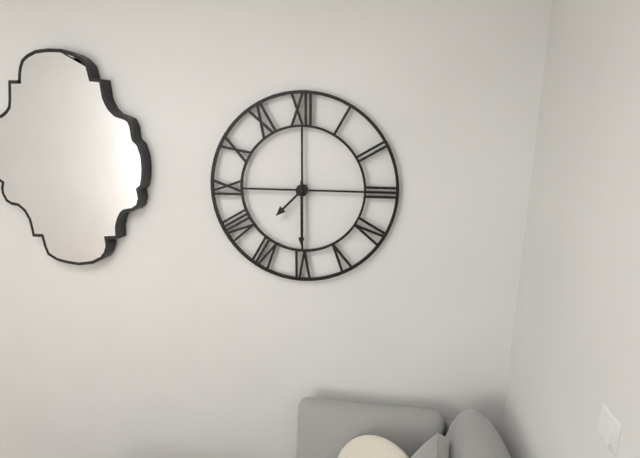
7:30
